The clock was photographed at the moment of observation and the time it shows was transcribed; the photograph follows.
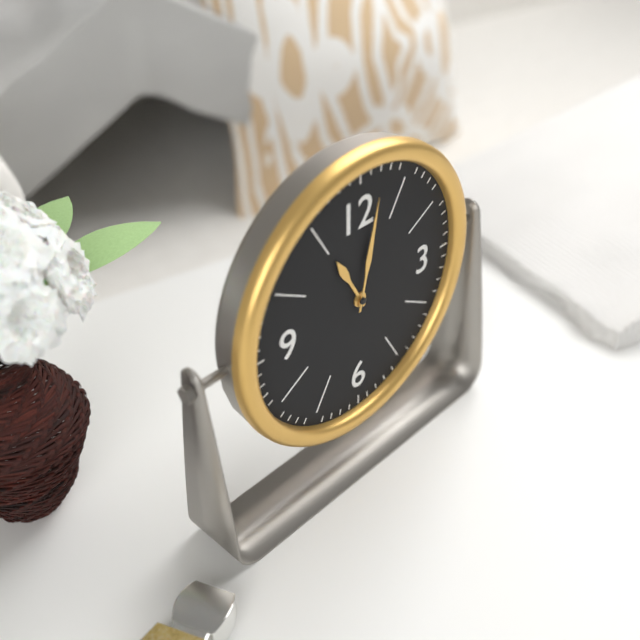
11:02
